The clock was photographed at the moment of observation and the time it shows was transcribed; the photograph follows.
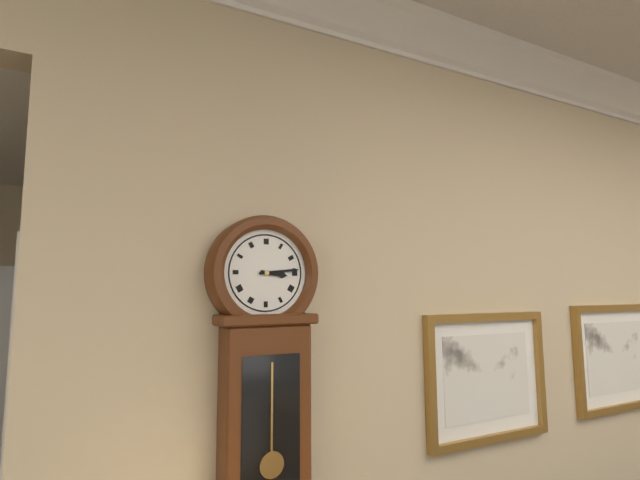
3:14
